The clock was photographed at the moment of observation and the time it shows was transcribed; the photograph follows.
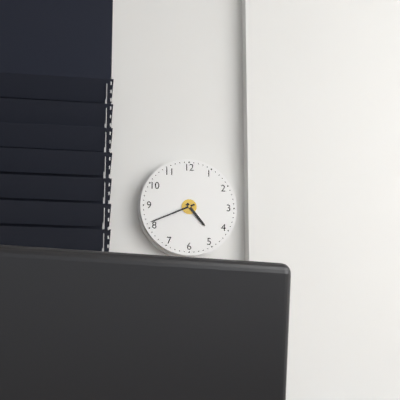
4:41
